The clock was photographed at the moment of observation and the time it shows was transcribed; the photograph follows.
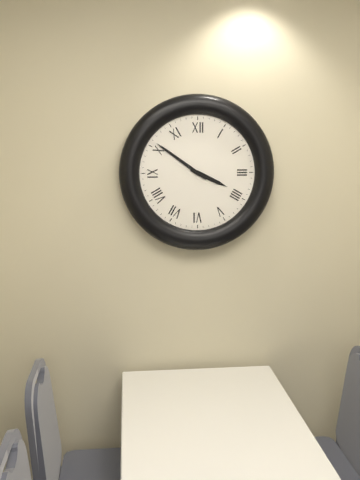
3:51
